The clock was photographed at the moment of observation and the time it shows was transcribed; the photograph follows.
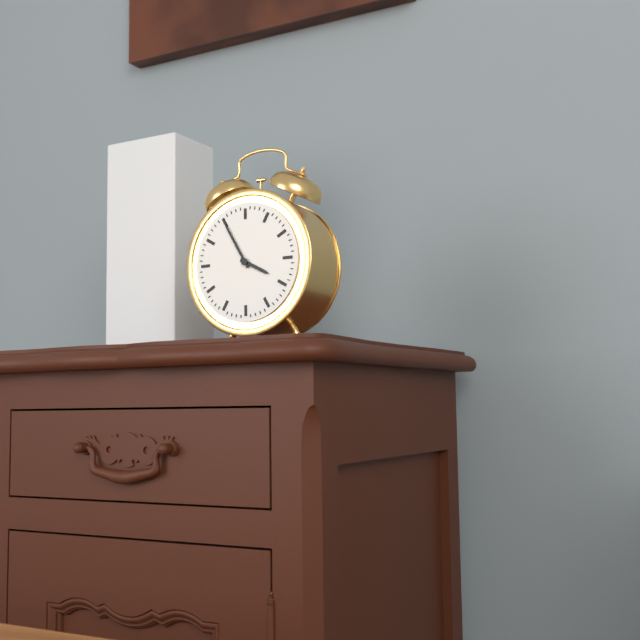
3:55
